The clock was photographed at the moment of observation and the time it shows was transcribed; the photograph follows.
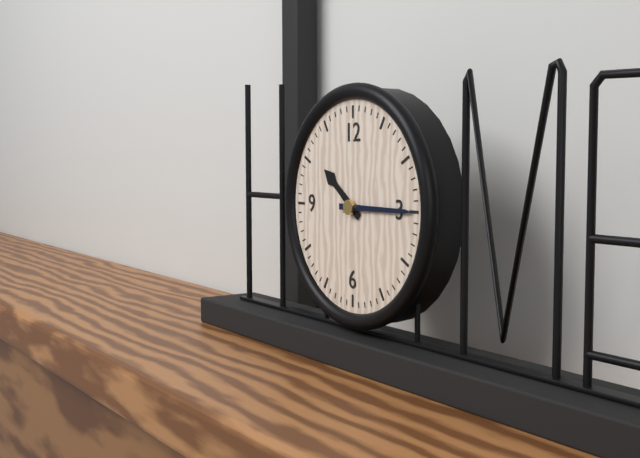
10:15
